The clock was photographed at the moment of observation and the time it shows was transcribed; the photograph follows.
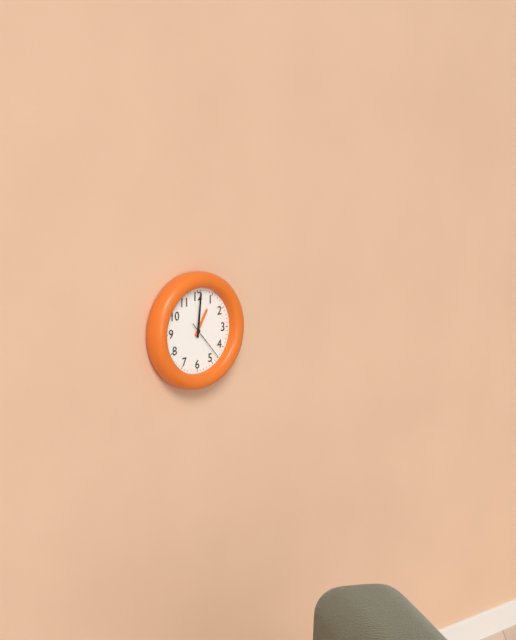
1:01:23
